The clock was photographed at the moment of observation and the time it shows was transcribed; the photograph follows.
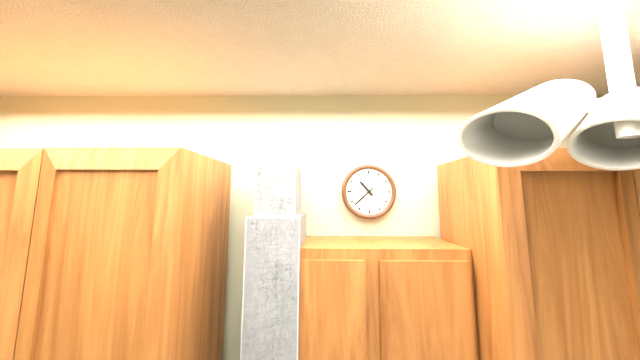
10:38
